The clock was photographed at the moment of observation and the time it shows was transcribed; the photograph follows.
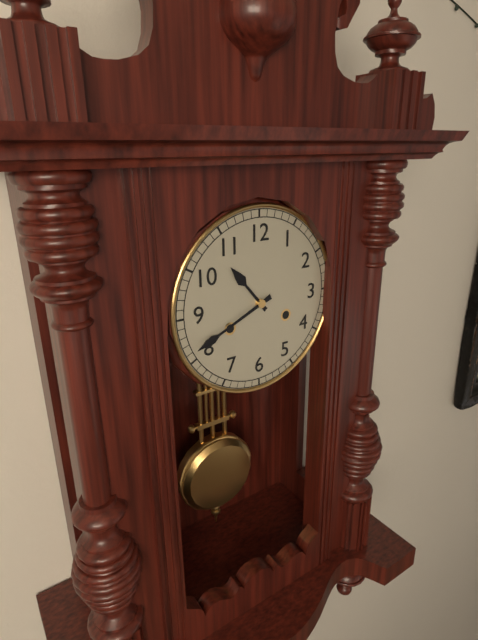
10:41
